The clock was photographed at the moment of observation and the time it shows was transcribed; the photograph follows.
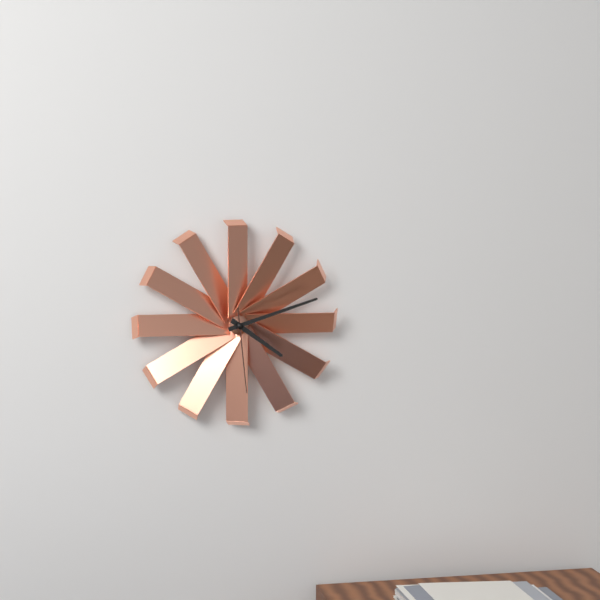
4:12:29
